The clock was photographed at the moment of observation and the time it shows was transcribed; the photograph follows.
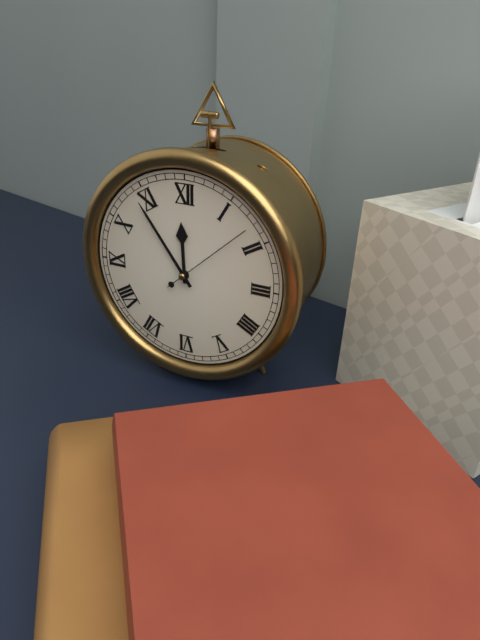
11:54:08
